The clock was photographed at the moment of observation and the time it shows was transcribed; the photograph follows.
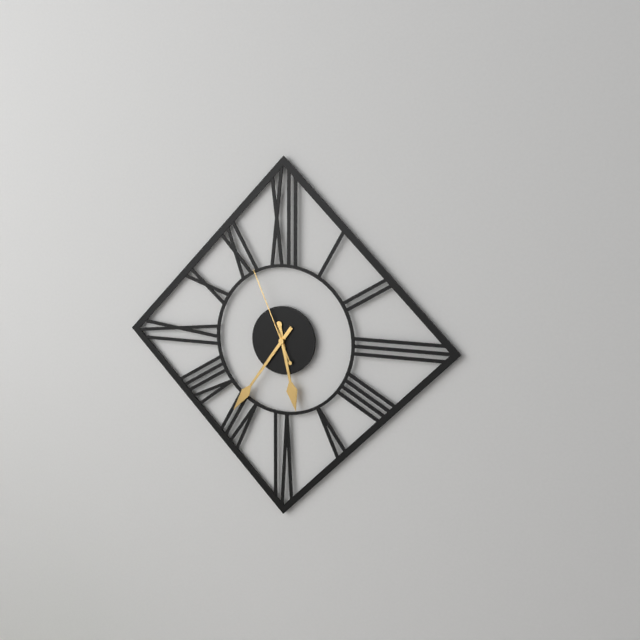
5:36:56
